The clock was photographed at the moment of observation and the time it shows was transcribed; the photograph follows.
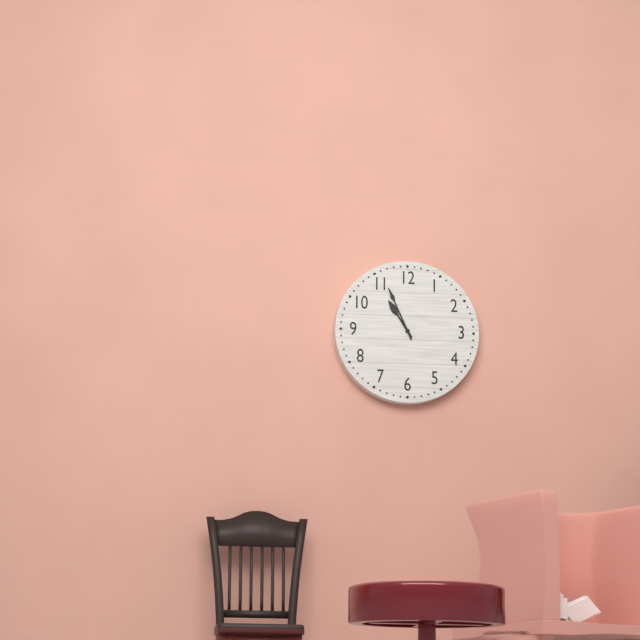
10:56
